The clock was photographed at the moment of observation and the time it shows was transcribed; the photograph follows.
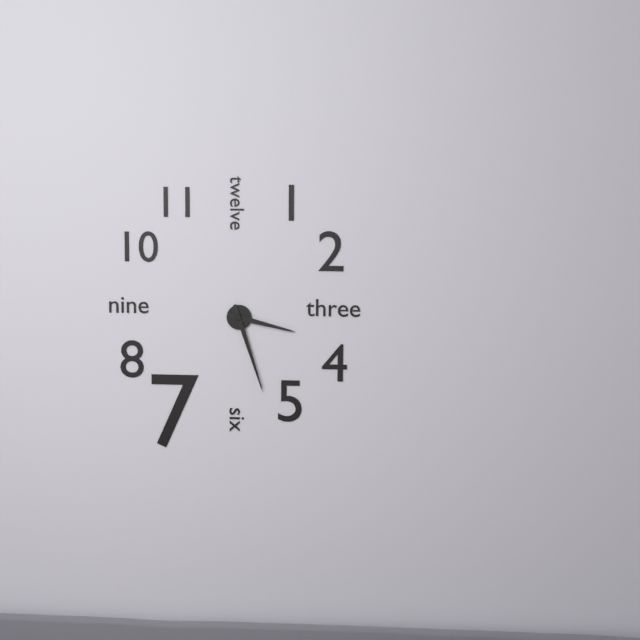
3:27
